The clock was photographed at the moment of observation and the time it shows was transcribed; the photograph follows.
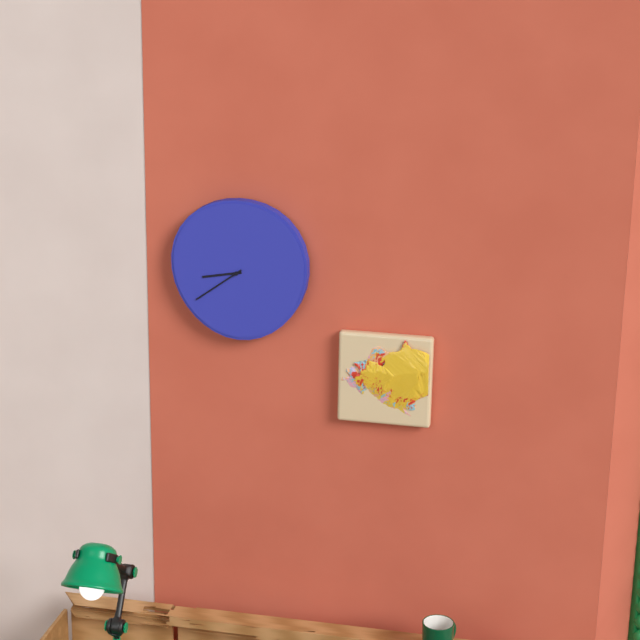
8:39
